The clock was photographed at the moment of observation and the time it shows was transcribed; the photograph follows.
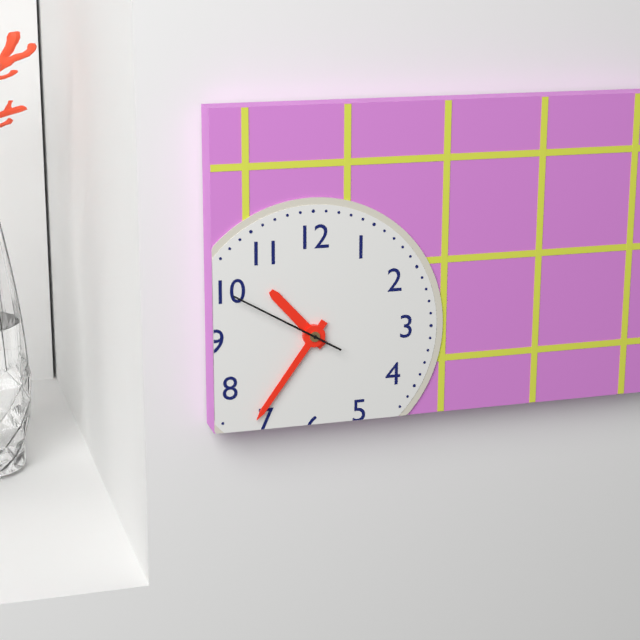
10:36:50
